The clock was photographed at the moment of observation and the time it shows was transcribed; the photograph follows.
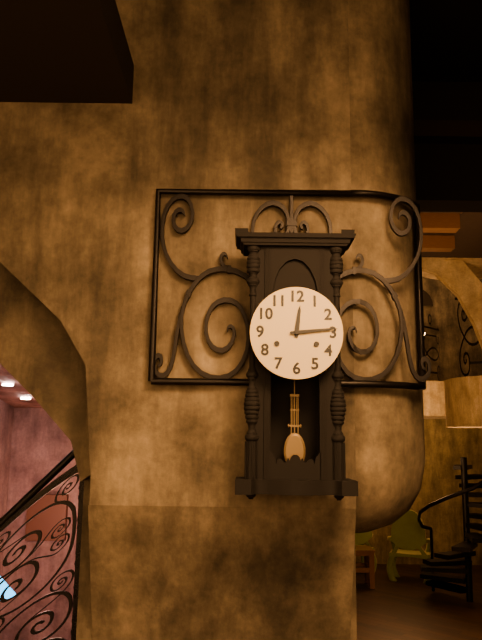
12:14
